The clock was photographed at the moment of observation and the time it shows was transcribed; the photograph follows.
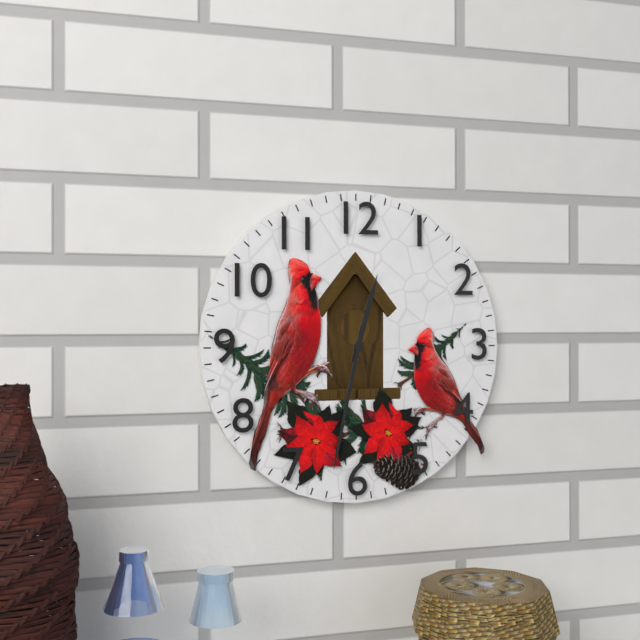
12:32
